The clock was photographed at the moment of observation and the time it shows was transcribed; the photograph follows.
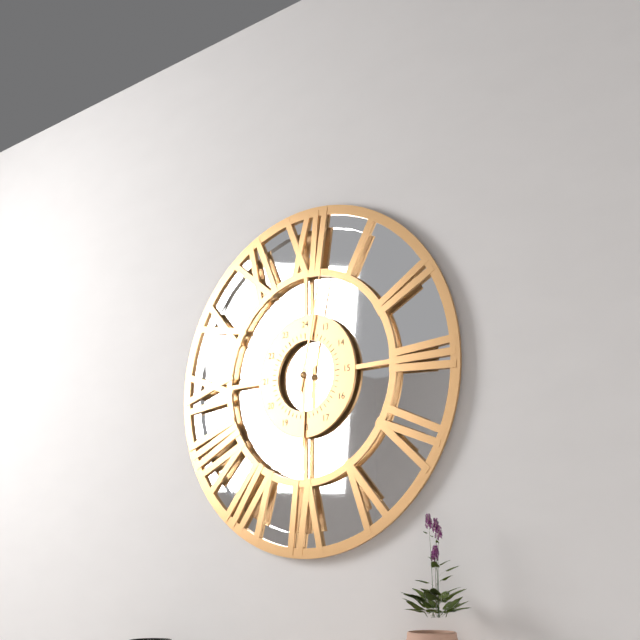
6:02
